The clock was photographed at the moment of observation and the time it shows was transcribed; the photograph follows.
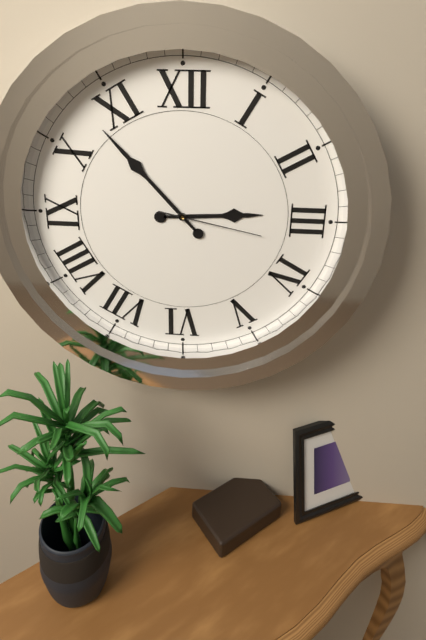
2:53:17
